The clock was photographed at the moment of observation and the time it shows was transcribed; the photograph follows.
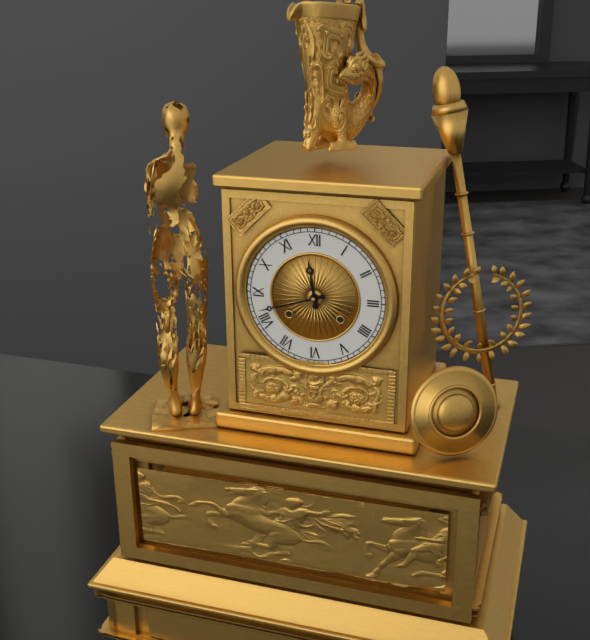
11:42
